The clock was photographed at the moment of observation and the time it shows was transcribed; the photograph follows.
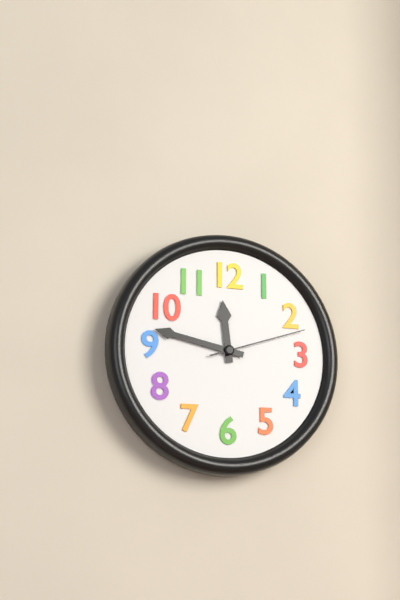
11:47:12
